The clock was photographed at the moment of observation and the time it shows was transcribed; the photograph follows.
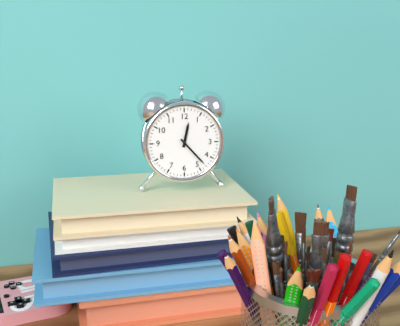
12:23
